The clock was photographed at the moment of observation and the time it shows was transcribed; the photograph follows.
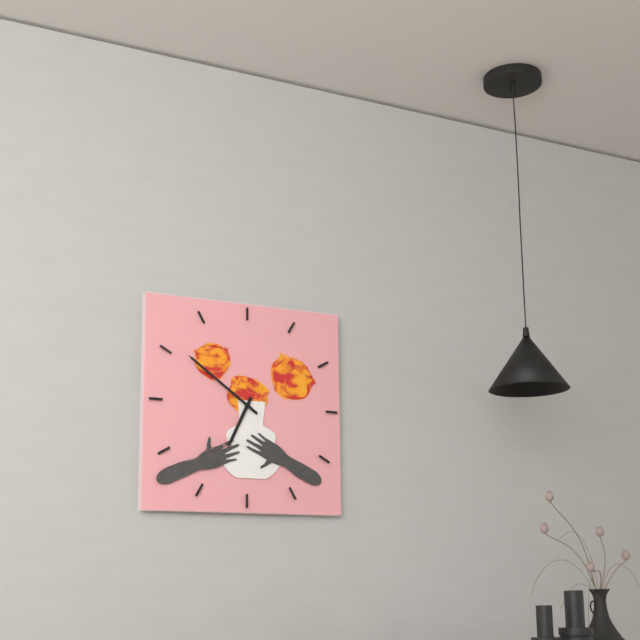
6:51
